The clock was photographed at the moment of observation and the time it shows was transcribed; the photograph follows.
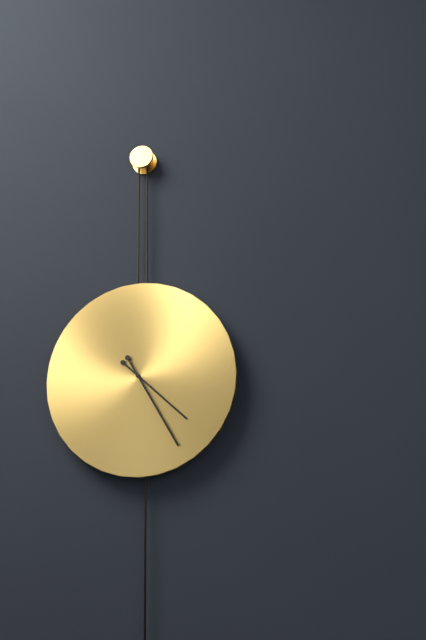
4:25
